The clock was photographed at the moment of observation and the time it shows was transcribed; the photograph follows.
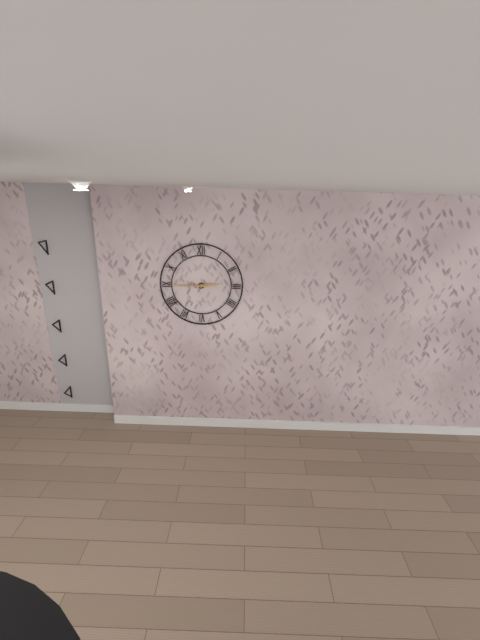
2:45
